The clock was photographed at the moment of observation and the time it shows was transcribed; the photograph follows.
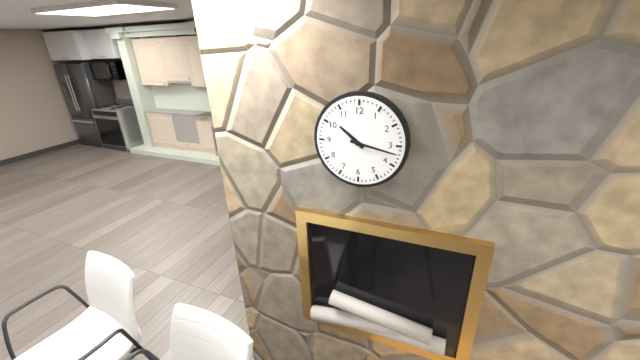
10:17
